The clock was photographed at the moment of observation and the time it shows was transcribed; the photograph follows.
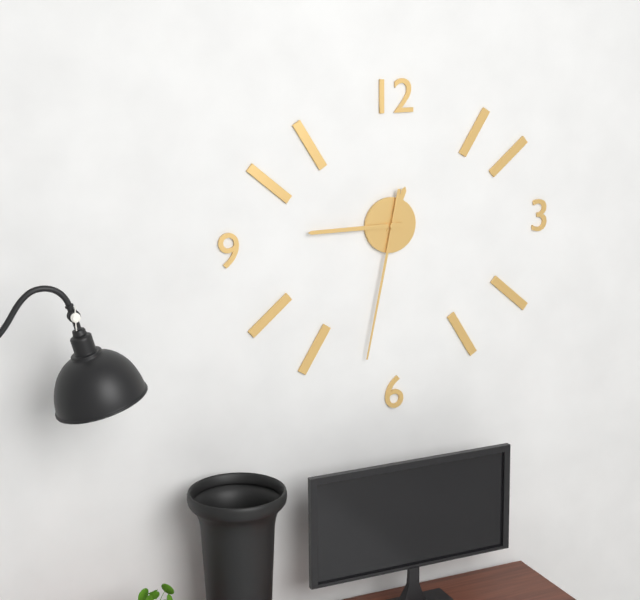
12:45:32
